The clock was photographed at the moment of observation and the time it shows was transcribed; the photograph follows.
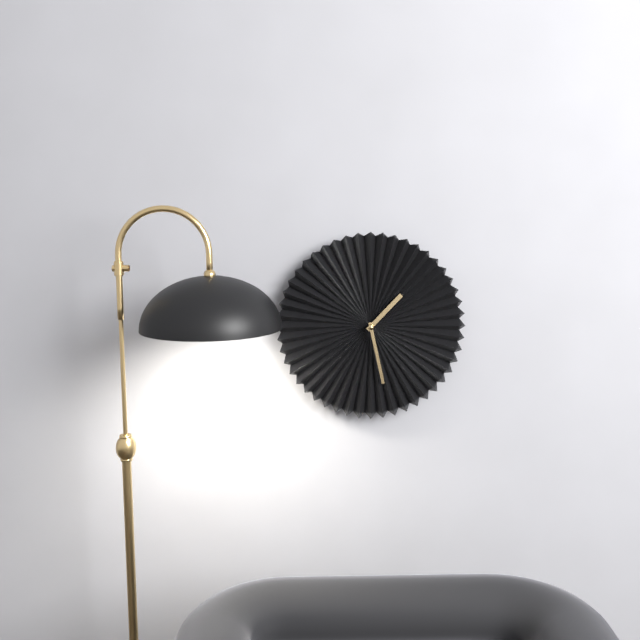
1:28
